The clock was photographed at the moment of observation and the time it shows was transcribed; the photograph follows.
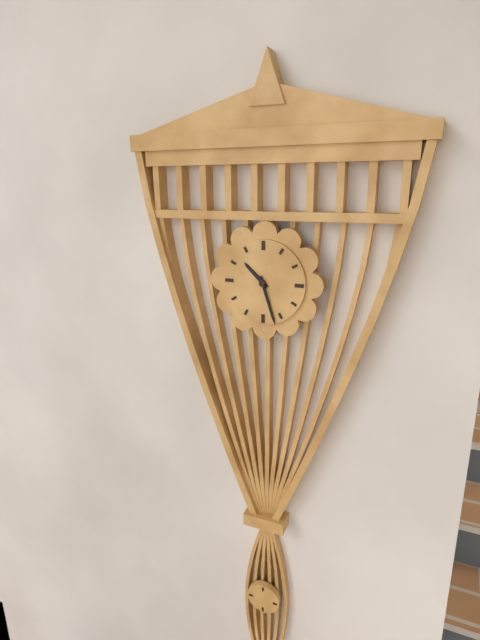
10:27
